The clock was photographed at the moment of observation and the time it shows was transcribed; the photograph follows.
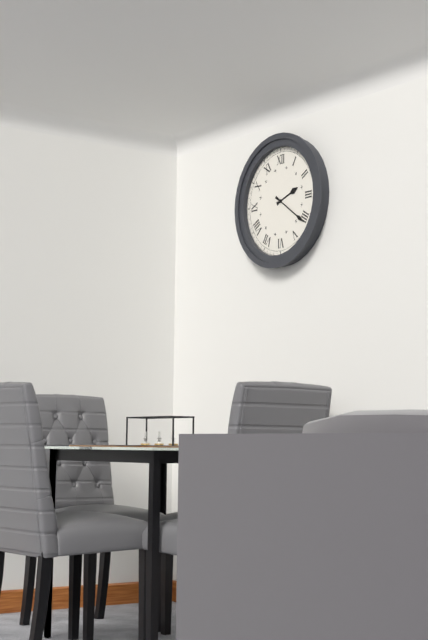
2:21
